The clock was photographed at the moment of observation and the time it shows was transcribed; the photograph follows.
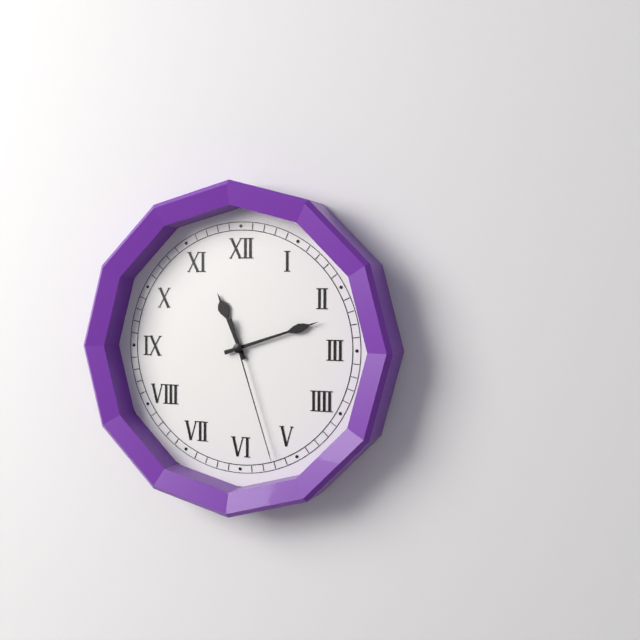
11:12:27
